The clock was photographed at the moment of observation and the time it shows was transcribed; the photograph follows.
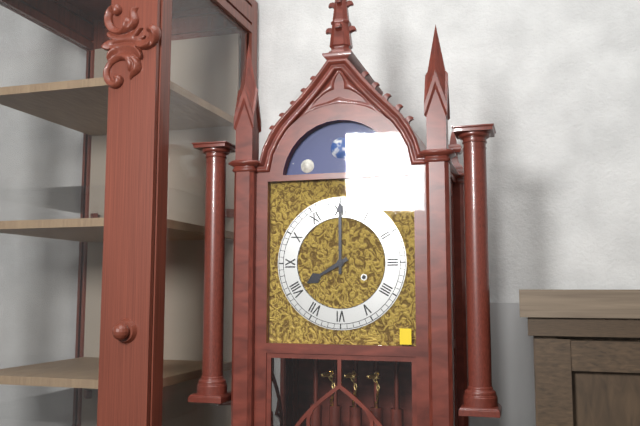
8:00
